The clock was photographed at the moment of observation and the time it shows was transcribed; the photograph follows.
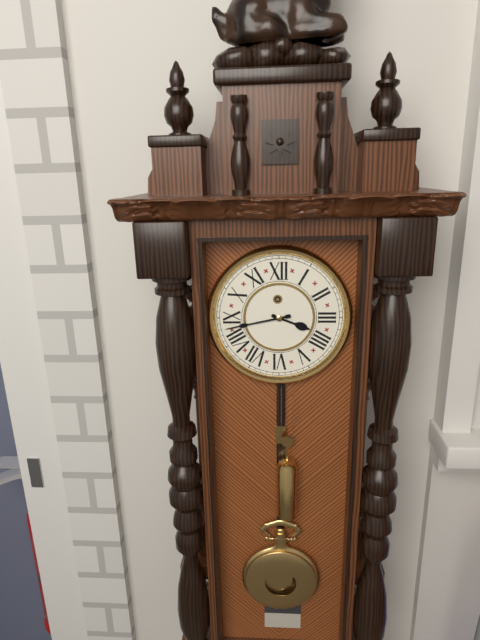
3:43
